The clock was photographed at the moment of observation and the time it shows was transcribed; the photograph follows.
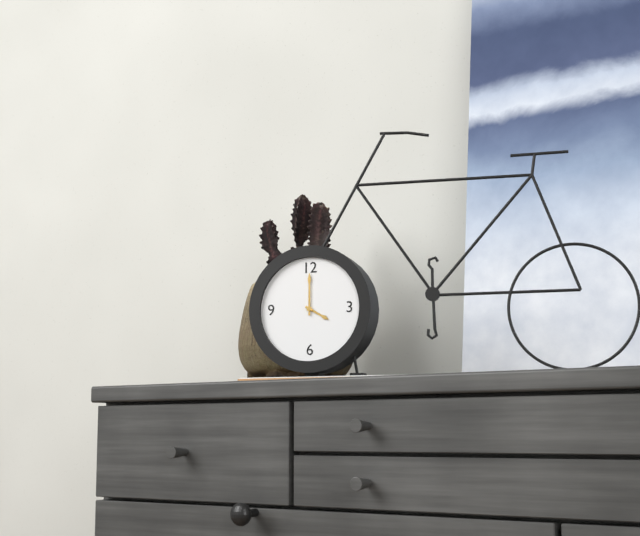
4:00
